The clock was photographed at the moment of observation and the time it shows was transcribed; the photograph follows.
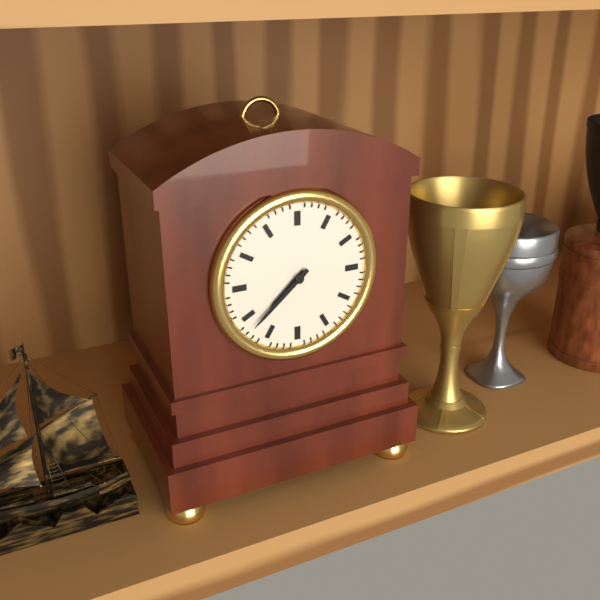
7:38
